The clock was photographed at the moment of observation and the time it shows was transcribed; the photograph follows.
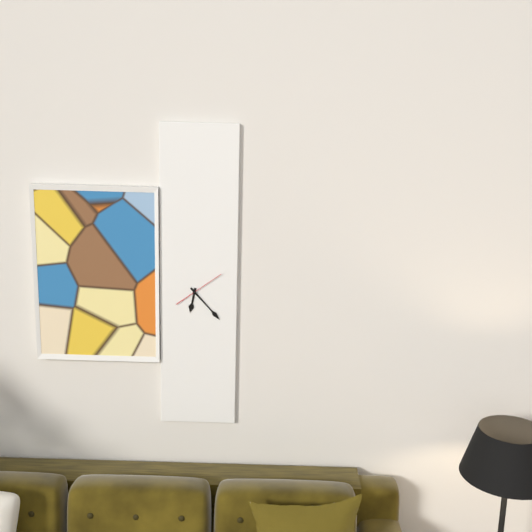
6:23
